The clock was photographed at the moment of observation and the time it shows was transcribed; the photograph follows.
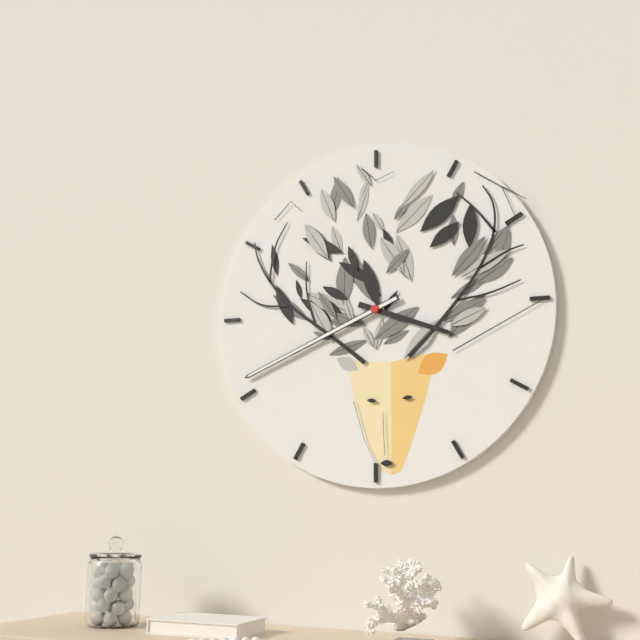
3:41
